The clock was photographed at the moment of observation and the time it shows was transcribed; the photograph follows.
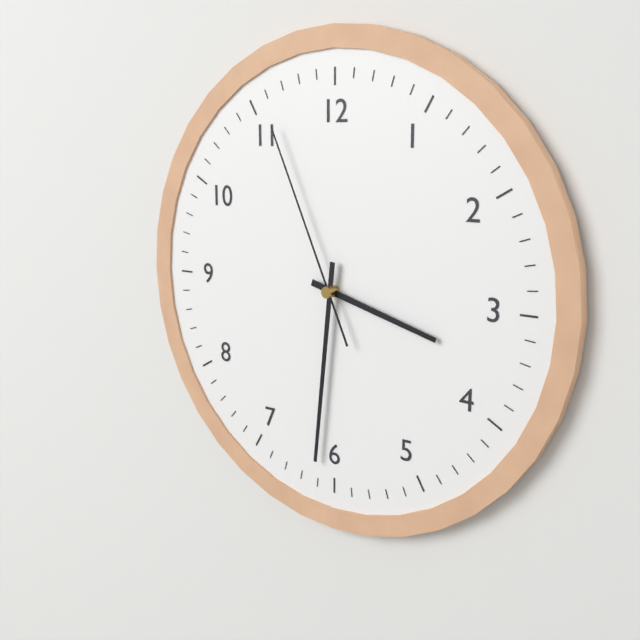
3:31:56
